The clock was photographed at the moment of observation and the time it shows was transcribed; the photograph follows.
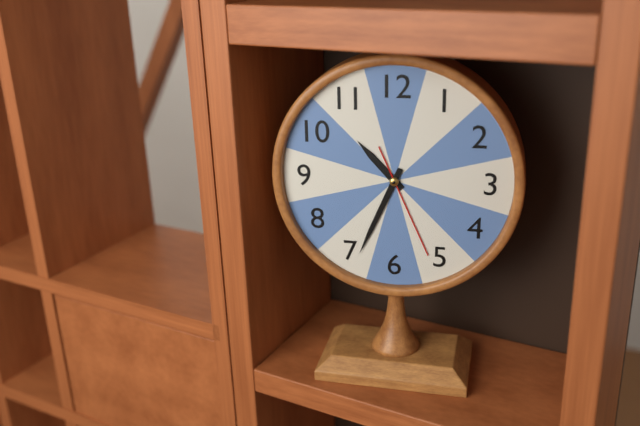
10:34:26
